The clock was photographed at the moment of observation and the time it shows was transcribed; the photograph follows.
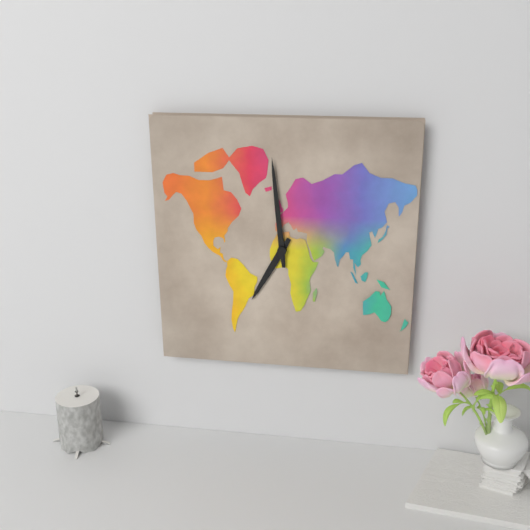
6:59
